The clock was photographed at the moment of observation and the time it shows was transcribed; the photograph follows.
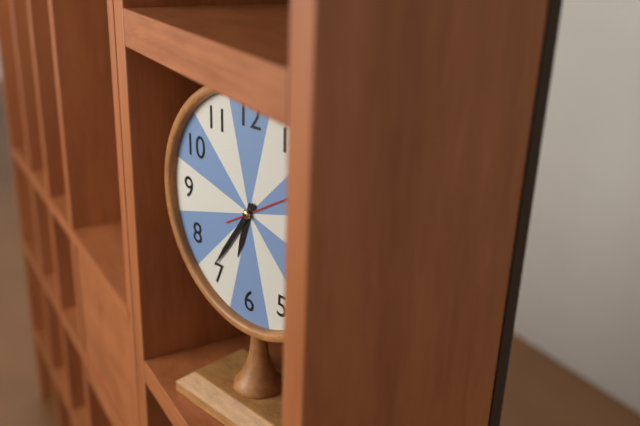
6:36
